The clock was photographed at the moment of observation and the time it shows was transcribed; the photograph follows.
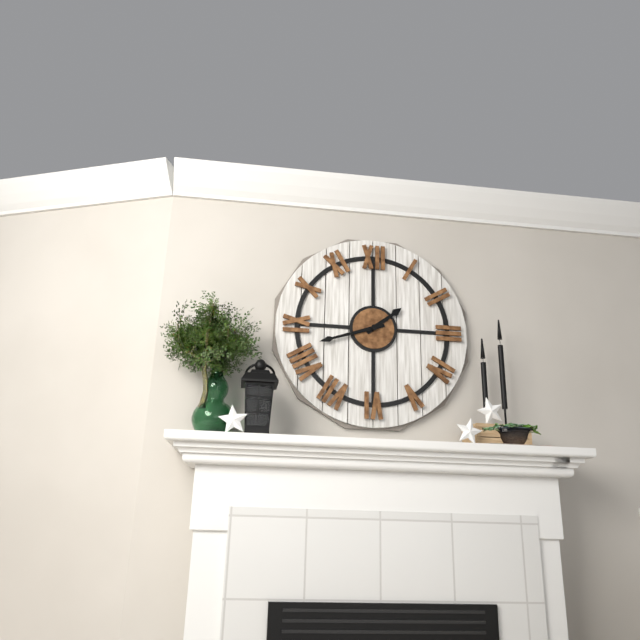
1:42
